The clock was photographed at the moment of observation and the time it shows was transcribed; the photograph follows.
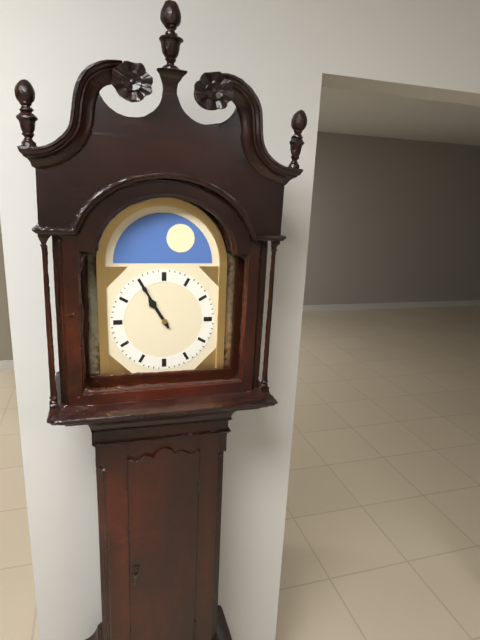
10:55
